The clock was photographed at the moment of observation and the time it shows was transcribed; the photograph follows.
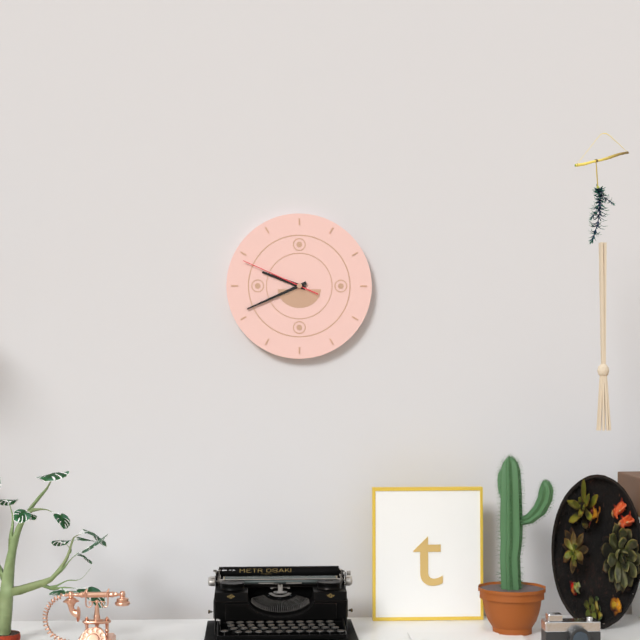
9:41:49
